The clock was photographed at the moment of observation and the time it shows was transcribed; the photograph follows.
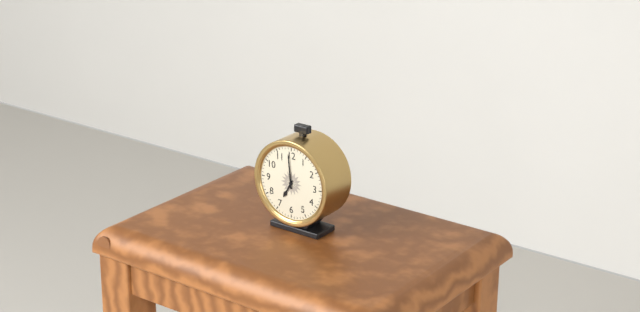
6:59
